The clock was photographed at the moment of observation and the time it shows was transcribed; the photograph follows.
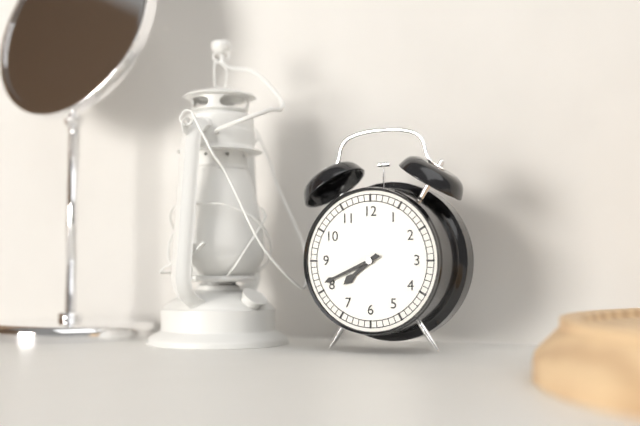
7:41
